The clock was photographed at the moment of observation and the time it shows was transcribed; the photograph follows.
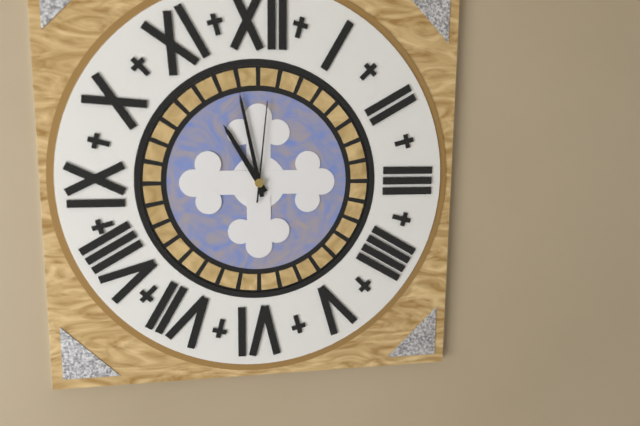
10:58:01
